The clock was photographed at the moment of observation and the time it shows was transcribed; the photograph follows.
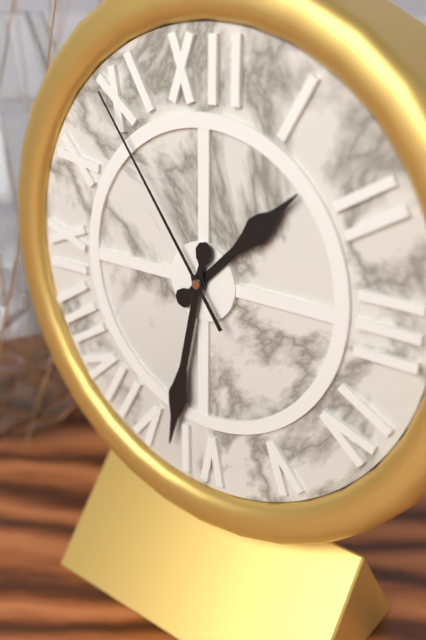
1:32:54
